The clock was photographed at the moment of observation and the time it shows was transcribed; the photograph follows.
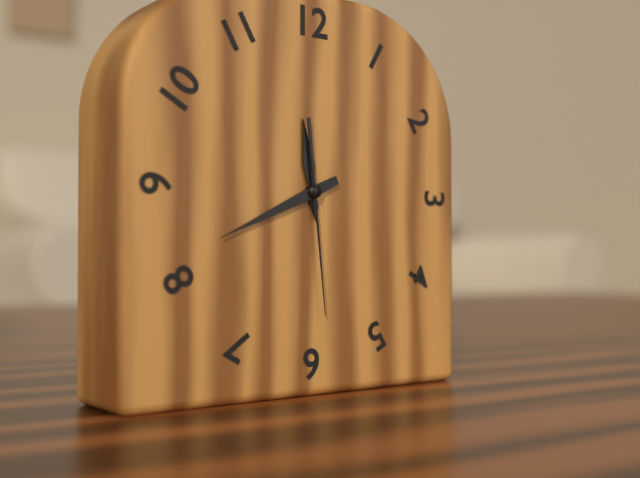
11:41:29
